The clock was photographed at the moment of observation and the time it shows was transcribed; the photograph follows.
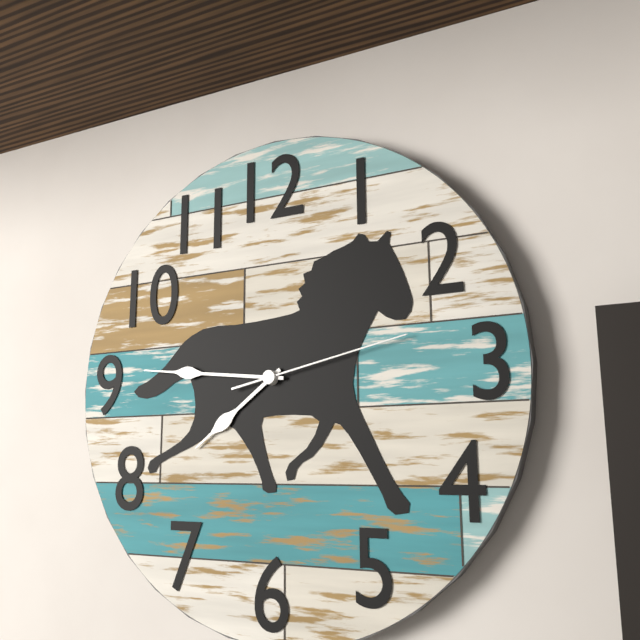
7:46:13
